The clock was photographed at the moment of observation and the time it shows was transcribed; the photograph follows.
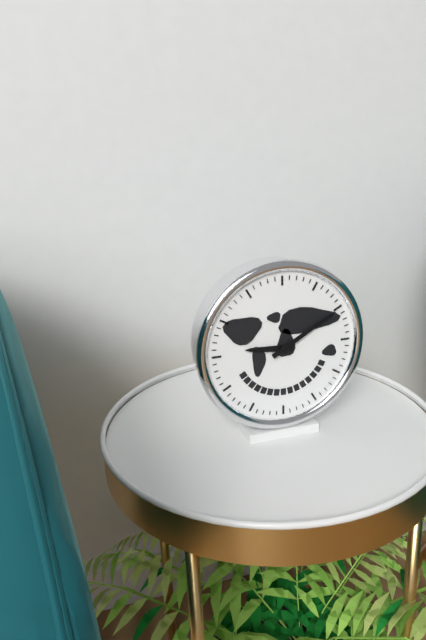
9:10
